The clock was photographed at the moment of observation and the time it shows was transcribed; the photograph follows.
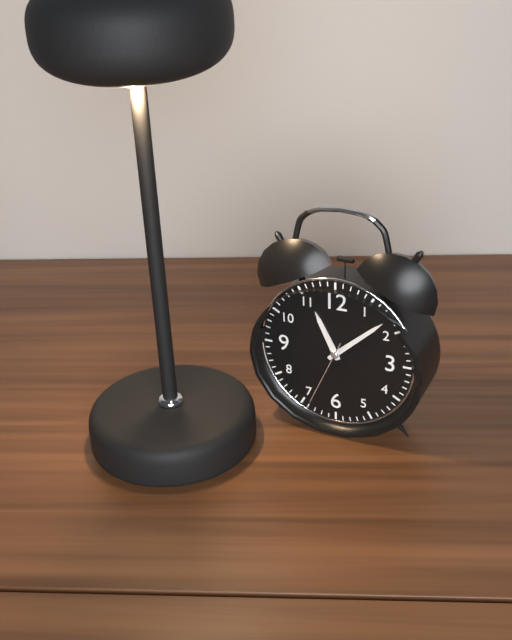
11:08:34
